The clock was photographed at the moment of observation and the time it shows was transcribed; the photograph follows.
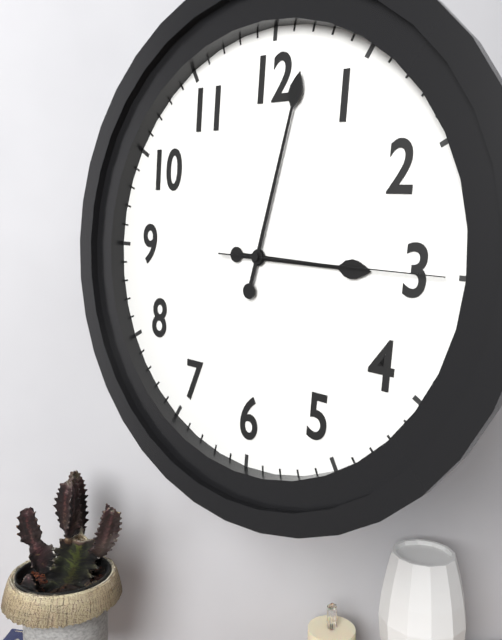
3:02:15
